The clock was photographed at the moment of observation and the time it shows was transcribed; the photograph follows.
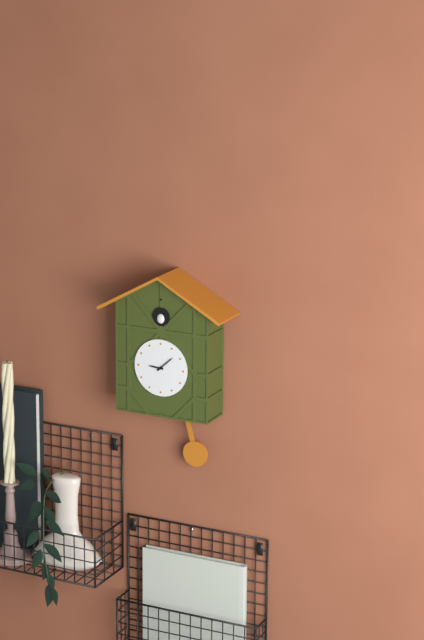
9:08
